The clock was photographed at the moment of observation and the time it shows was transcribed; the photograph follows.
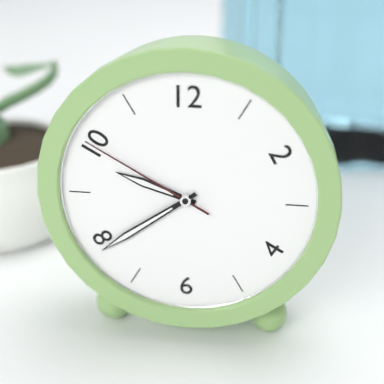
9:39:50
